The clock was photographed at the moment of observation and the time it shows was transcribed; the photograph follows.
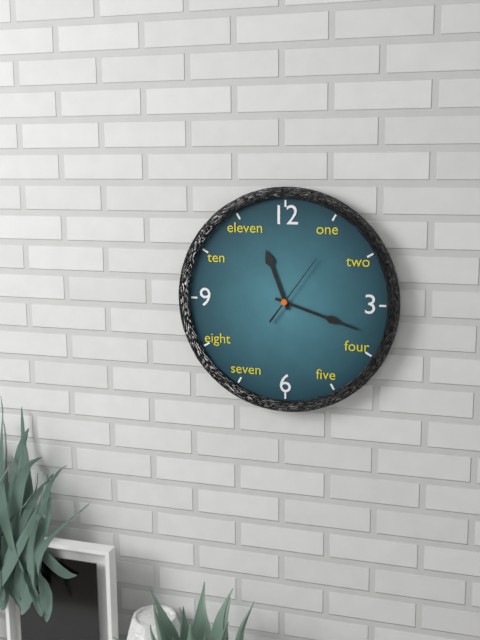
11:18:06
